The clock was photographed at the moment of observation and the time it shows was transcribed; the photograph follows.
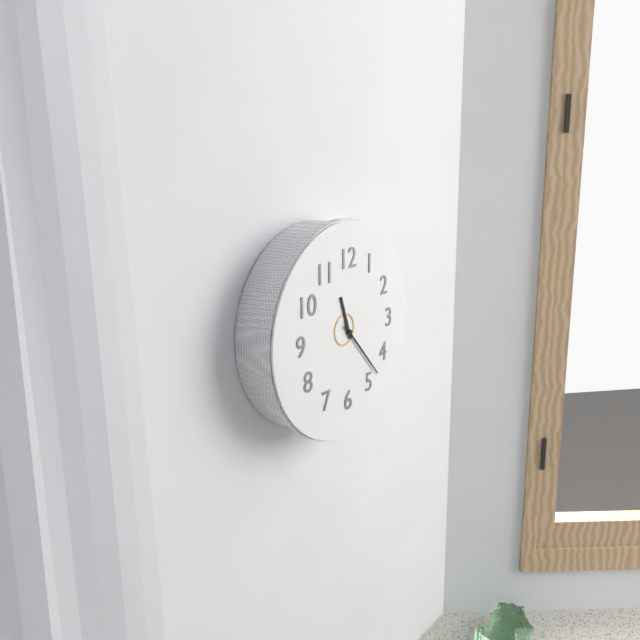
11:23
